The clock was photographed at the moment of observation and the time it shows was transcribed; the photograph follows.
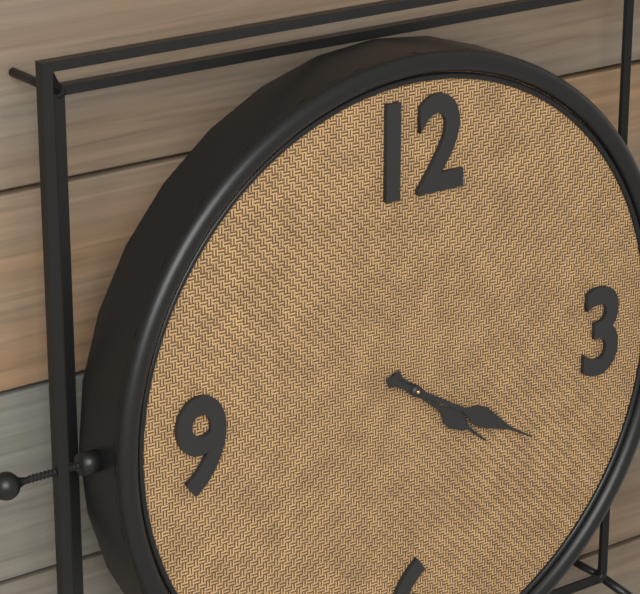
4:20
